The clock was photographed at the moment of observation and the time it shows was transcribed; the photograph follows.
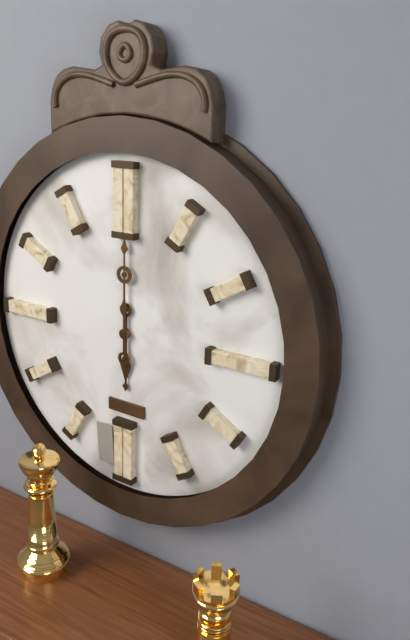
6:00
